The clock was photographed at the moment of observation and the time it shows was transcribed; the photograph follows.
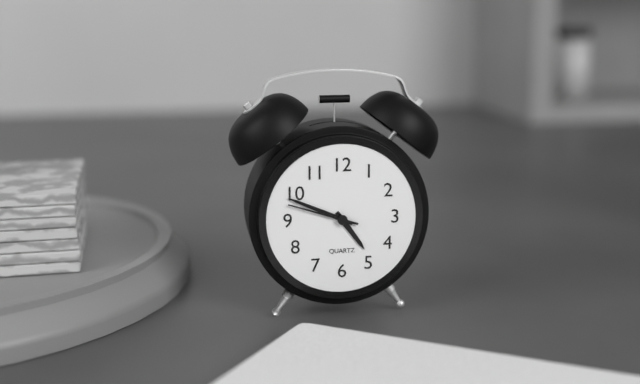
4:49:48
